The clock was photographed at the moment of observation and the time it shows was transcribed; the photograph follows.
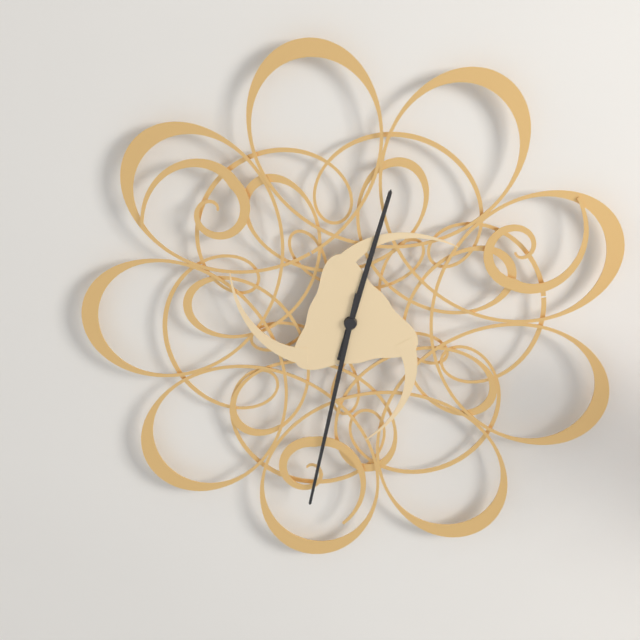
12:32
